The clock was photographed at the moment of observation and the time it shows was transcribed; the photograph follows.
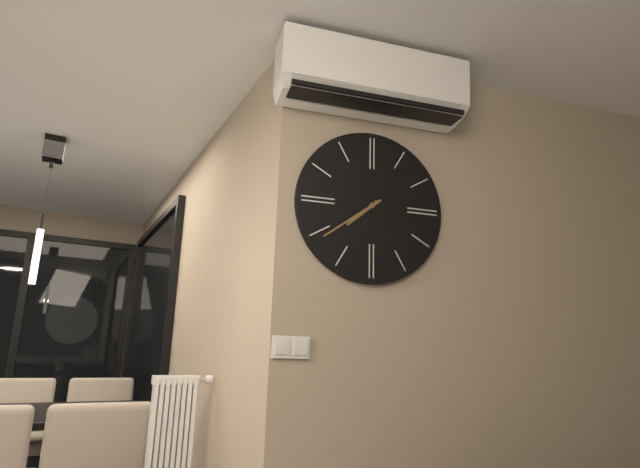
7:39
